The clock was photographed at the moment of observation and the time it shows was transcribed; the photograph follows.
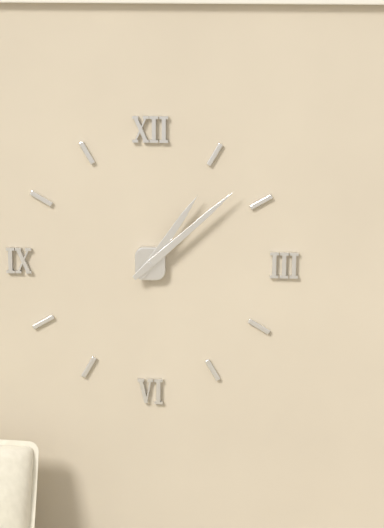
1:08
